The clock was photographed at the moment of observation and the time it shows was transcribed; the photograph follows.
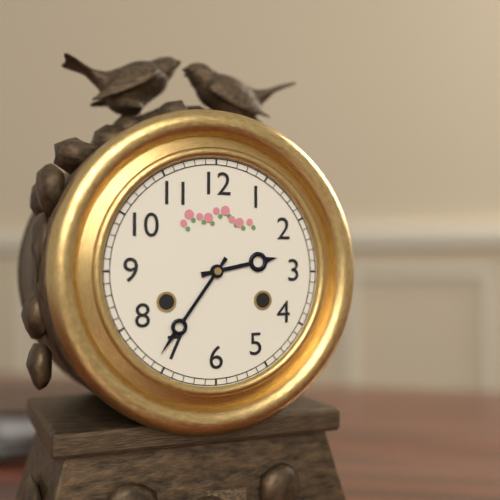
2:36
